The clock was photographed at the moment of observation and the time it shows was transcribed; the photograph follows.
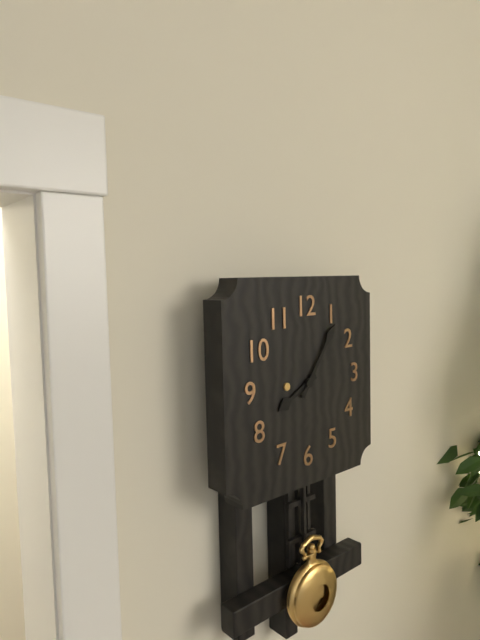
8:06
